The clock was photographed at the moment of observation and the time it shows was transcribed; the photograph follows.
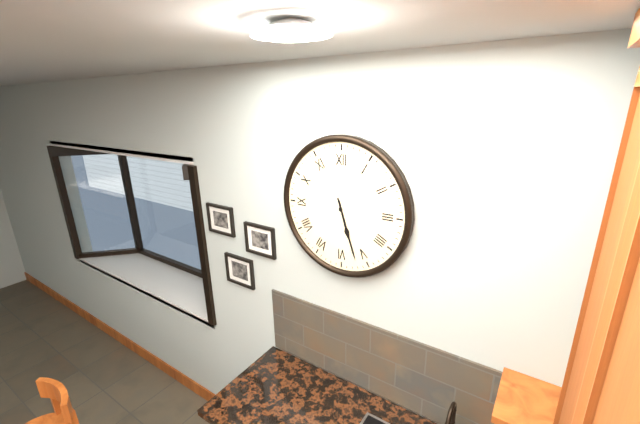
5:27
